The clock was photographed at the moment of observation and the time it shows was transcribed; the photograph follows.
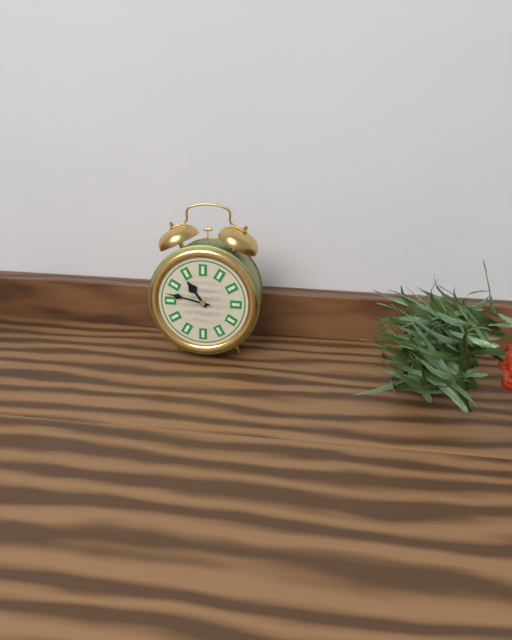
10:47
